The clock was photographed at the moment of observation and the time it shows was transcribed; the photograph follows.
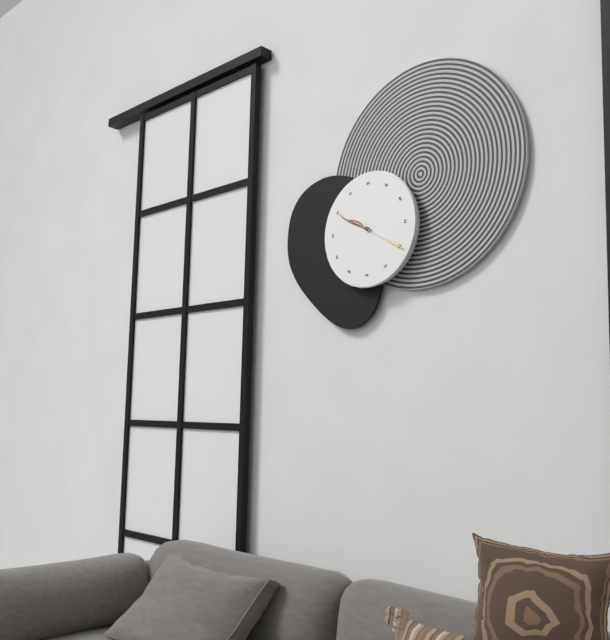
9:50
